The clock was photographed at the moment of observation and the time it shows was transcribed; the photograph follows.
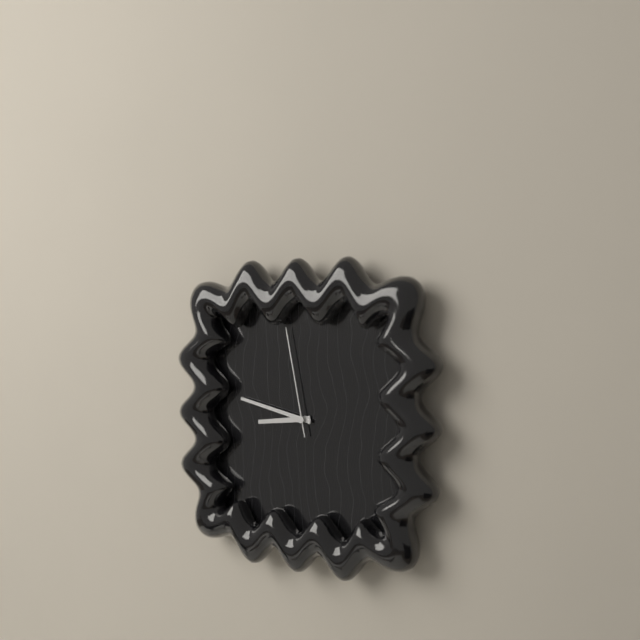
8:47:58
